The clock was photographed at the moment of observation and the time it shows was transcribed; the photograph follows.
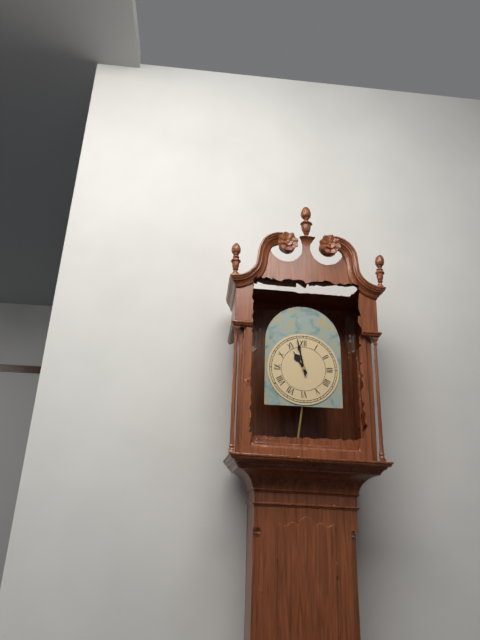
10:58
